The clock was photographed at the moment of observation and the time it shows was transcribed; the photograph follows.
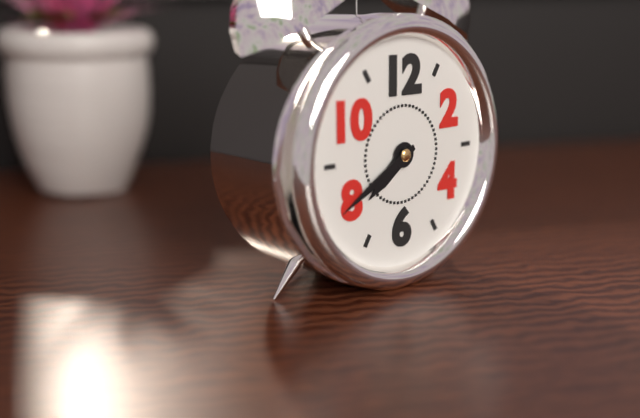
7:40
